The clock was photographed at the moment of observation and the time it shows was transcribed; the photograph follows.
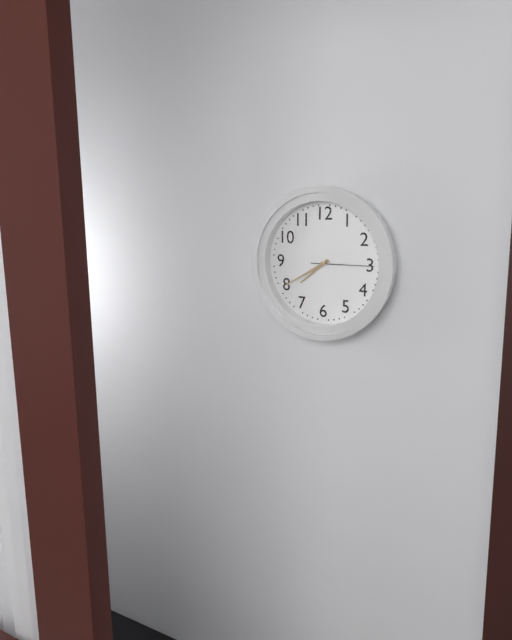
7:40:15
